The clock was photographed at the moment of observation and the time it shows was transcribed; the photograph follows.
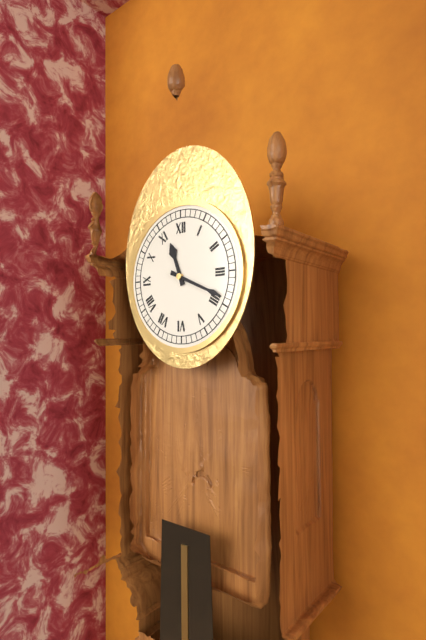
11:19
